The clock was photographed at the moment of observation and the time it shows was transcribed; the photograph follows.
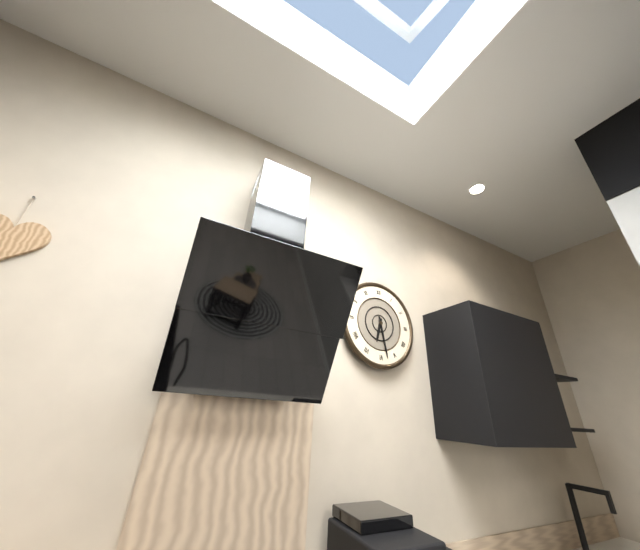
6:28
